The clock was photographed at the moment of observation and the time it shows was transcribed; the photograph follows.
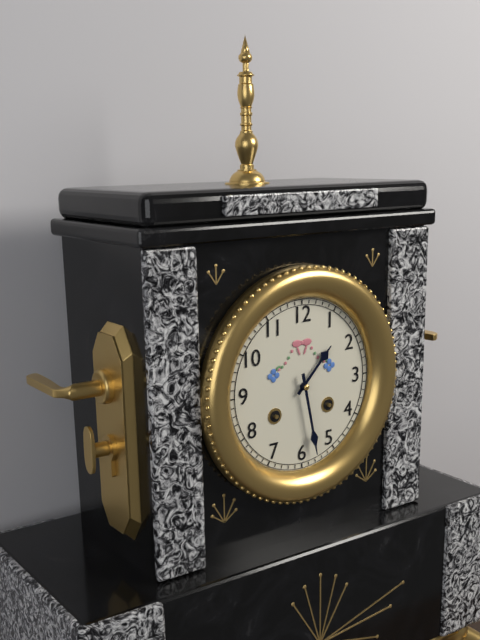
1:28
